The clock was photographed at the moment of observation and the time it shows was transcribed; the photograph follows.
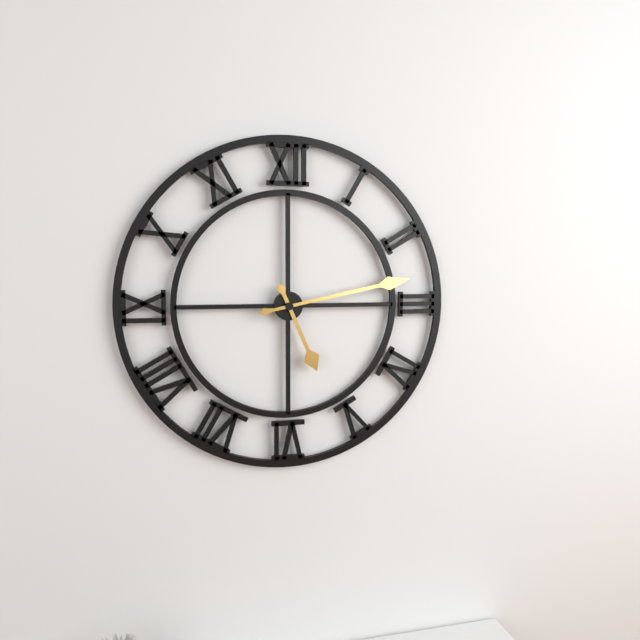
5:13
